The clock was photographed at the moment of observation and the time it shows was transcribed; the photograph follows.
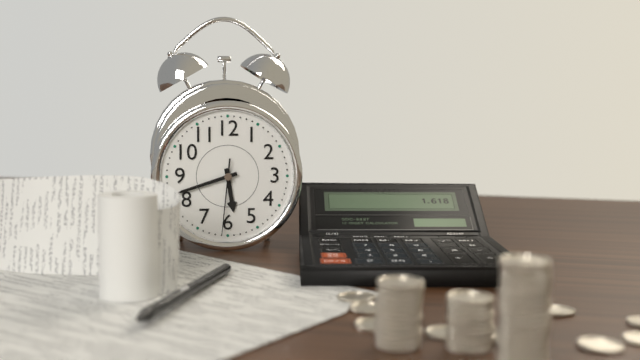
5:42:31
